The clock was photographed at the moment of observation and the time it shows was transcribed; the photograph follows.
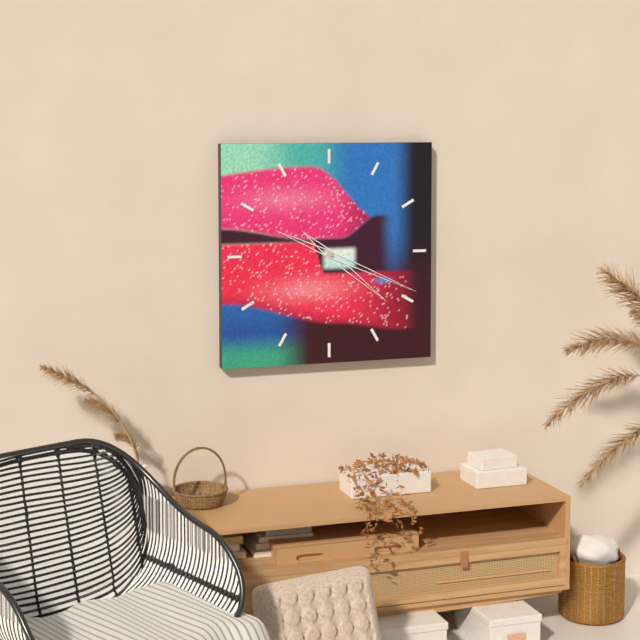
4:19
